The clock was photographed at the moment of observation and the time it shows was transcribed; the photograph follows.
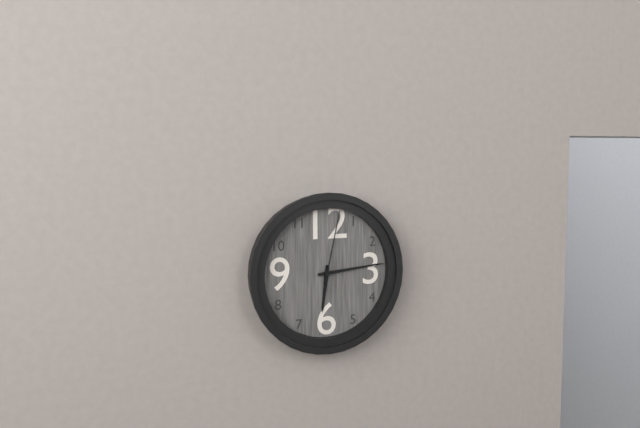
6:14:02
